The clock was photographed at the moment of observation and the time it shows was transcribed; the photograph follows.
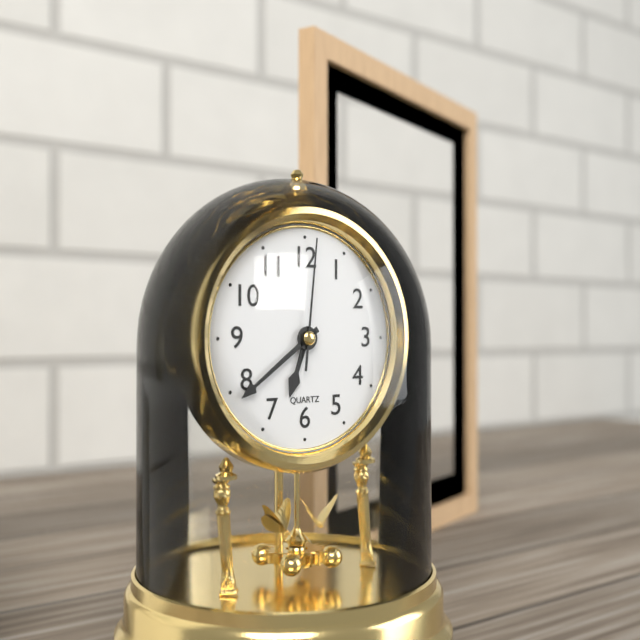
6:39:01
